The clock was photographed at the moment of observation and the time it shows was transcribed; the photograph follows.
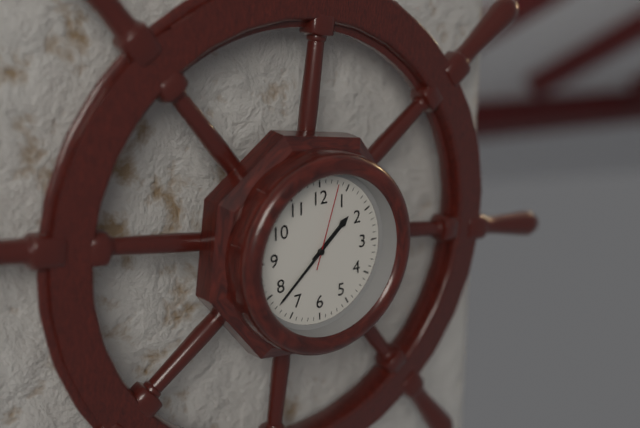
1:38:03
